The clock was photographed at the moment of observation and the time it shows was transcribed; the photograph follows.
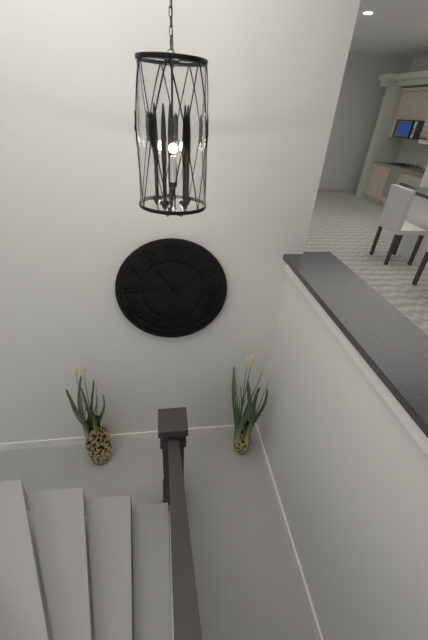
10:45:32
